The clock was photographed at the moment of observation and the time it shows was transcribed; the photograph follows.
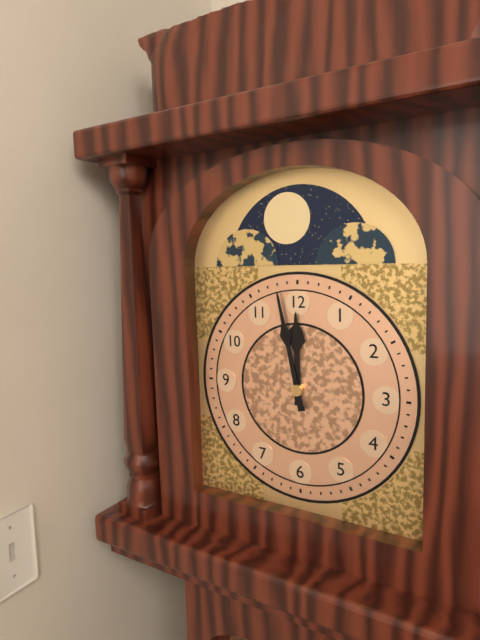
11:58
